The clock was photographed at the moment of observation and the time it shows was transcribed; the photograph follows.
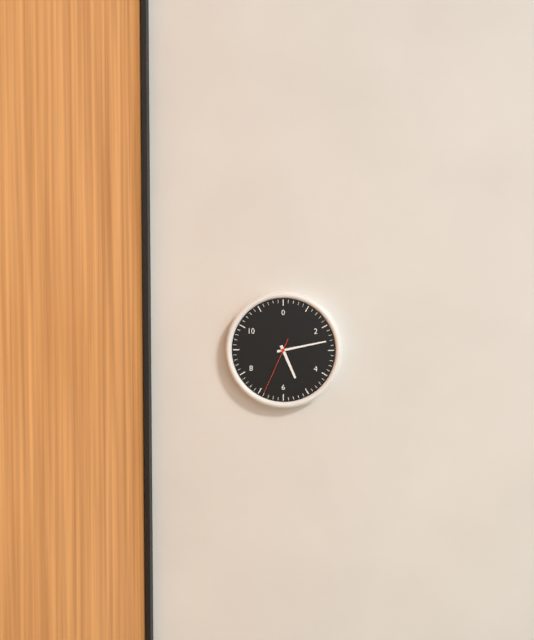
5:13:34
